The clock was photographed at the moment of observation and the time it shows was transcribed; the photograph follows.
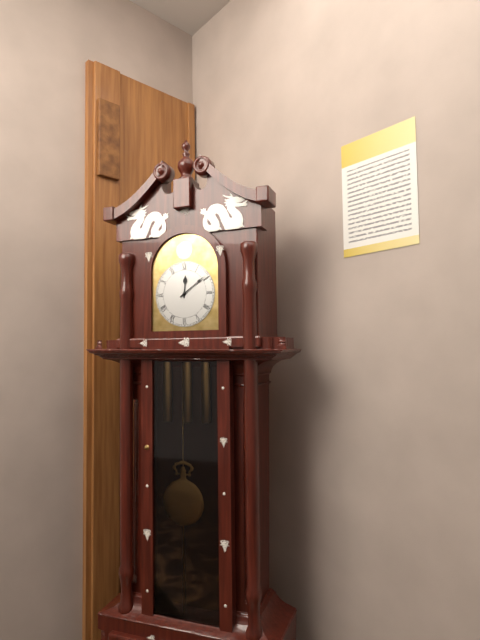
12:09
